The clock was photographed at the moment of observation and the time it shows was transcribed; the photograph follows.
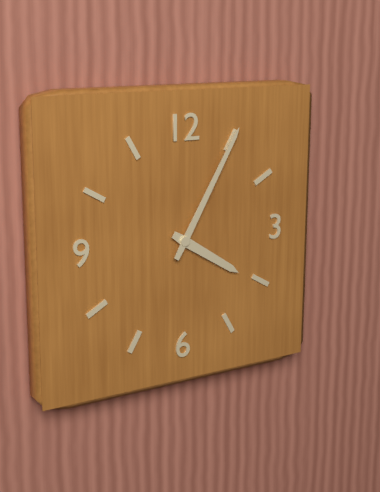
4:05
